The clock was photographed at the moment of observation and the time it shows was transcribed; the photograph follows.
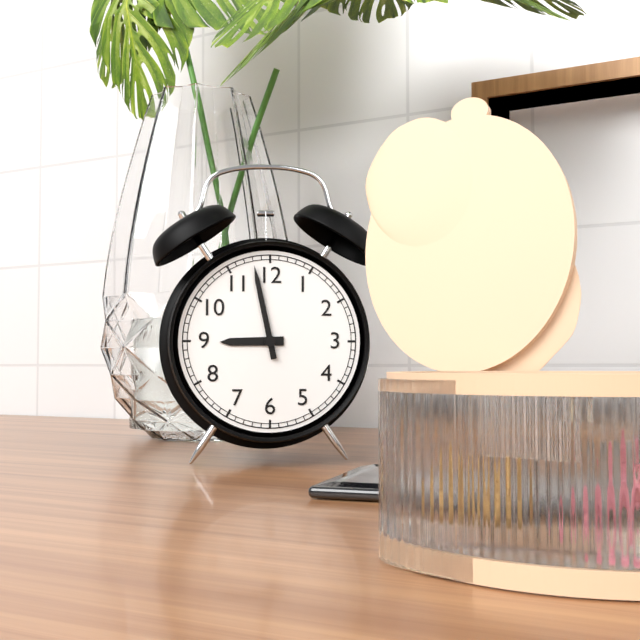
8:58
